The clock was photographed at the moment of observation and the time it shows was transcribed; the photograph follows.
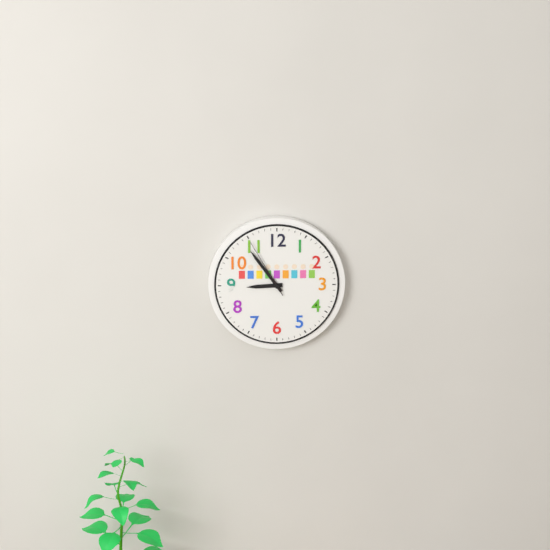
8:54:55
